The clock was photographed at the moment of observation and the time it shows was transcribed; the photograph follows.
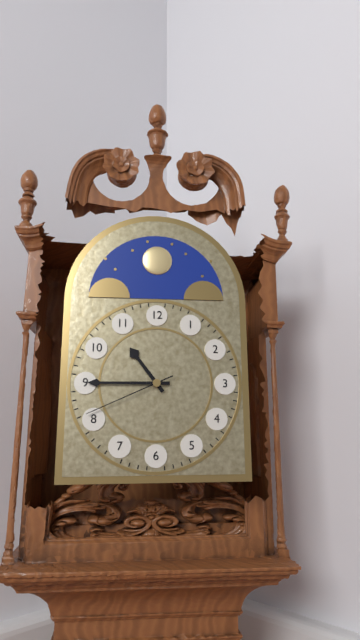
10:45:41
